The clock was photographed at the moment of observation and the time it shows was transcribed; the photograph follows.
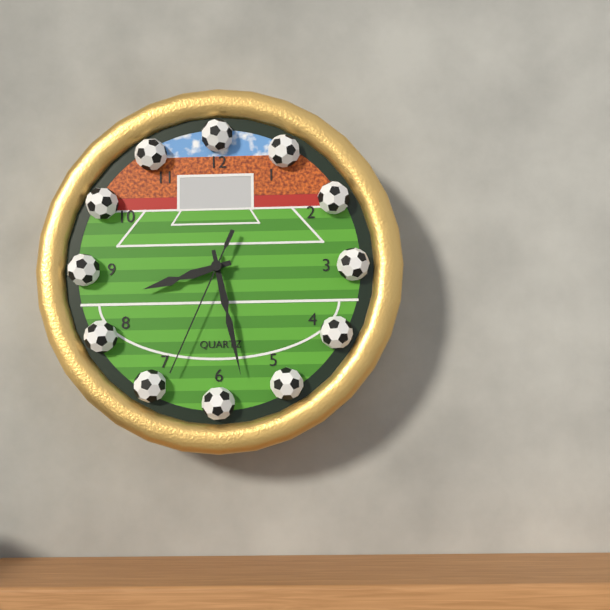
8:28:34
